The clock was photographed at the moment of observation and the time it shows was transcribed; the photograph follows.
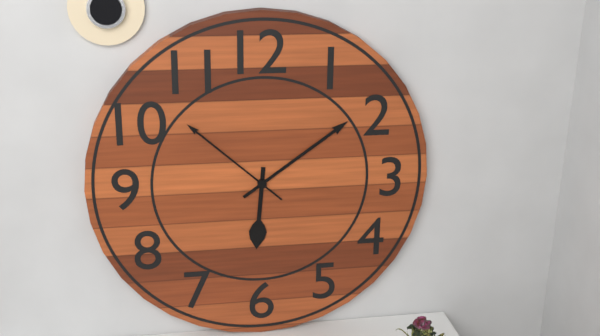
6:09:52
